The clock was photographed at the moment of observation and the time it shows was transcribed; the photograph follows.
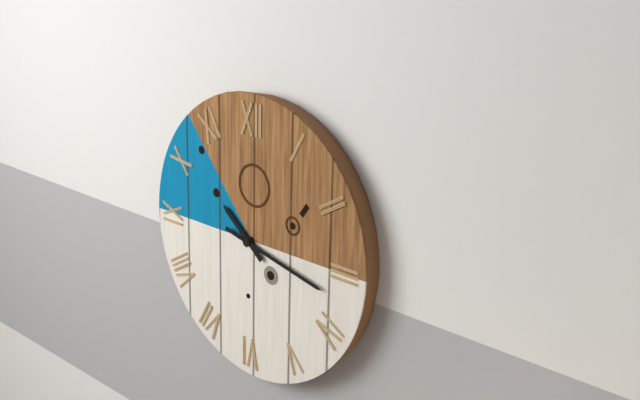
10:17
